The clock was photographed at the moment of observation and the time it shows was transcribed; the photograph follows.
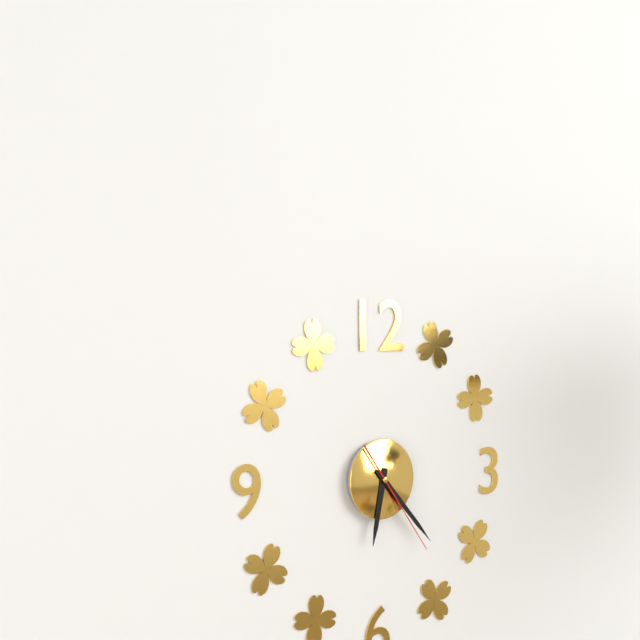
6:23:24
